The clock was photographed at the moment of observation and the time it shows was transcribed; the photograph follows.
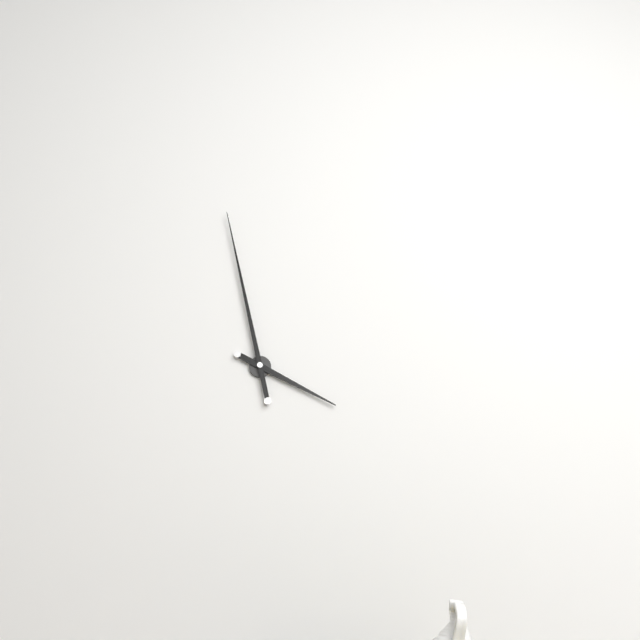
3:58
